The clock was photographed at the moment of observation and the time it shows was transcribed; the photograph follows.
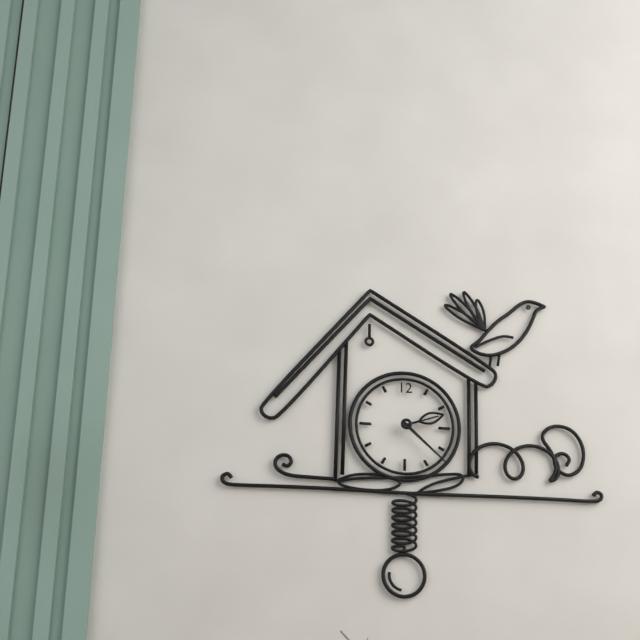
2:22
